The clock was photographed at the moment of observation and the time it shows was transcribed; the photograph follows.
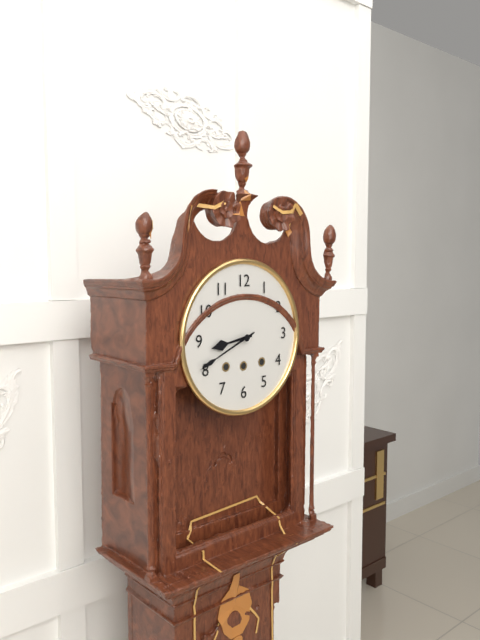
8:41
